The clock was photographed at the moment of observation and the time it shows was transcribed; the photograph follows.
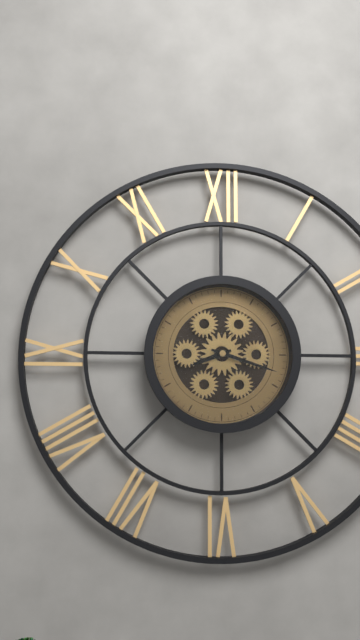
8:18
